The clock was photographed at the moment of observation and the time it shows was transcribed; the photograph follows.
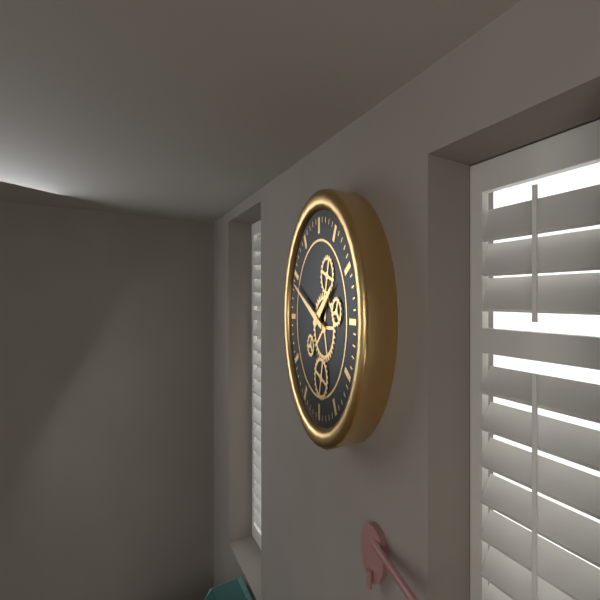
1:49
